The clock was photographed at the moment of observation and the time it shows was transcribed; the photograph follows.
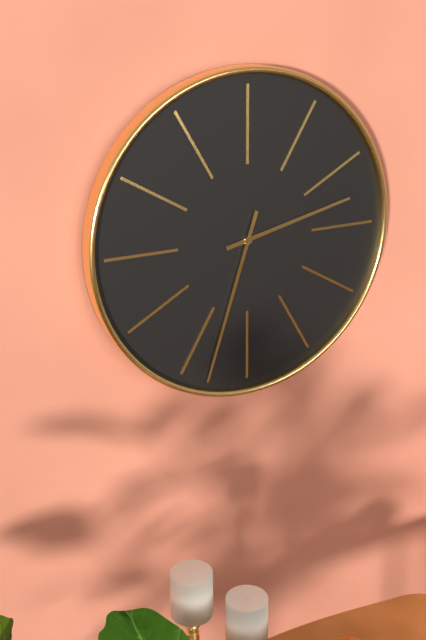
2:33
